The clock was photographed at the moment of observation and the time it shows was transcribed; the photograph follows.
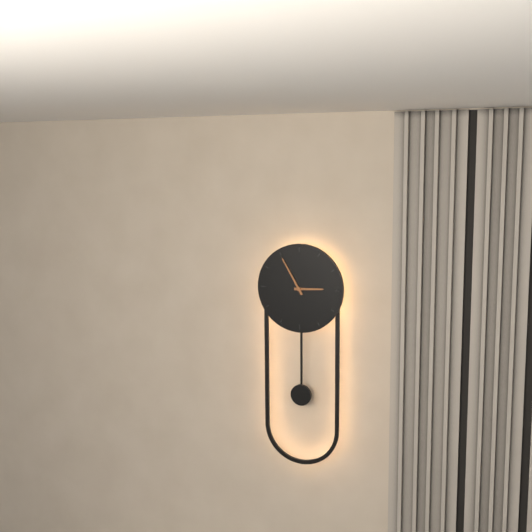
2:55
